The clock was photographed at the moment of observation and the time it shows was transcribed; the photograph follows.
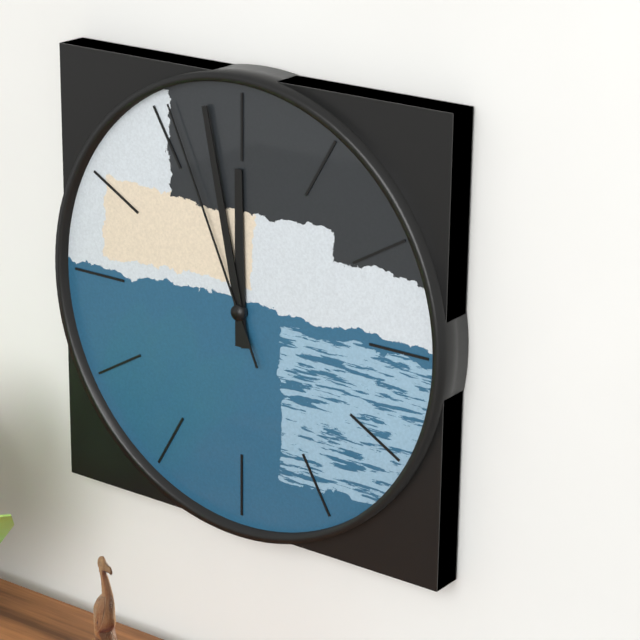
11:58:56
